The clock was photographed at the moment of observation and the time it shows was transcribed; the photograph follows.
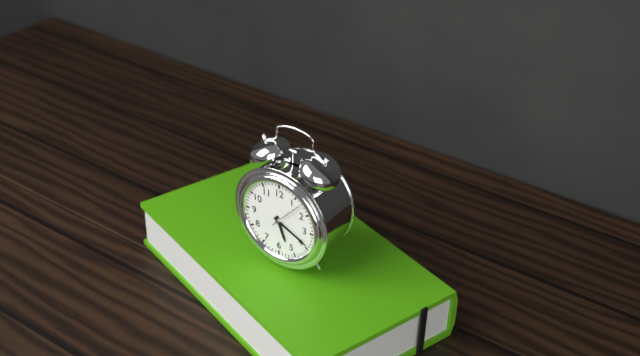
5:19
